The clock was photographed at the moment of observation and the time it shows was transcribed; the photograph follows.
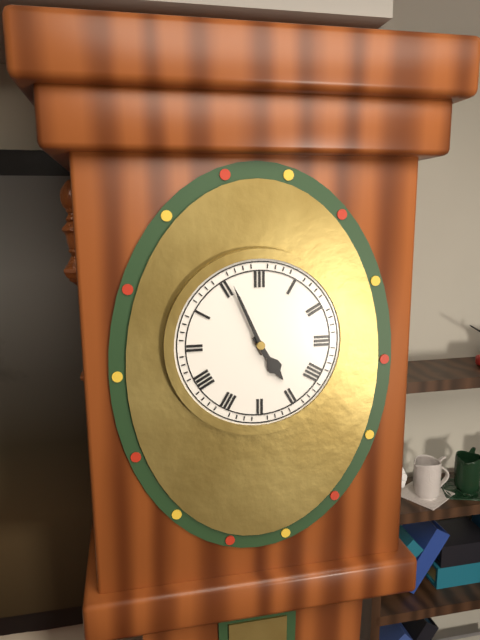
4:56
